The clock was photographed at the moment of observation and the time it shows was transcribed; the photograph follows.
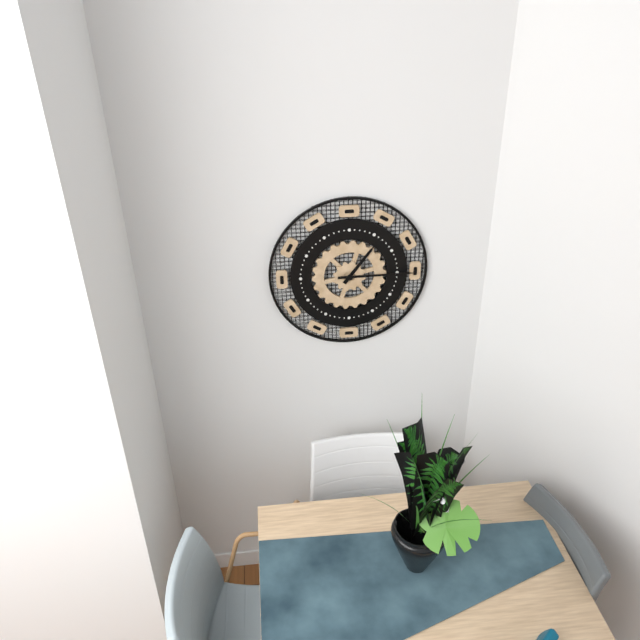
1:15
